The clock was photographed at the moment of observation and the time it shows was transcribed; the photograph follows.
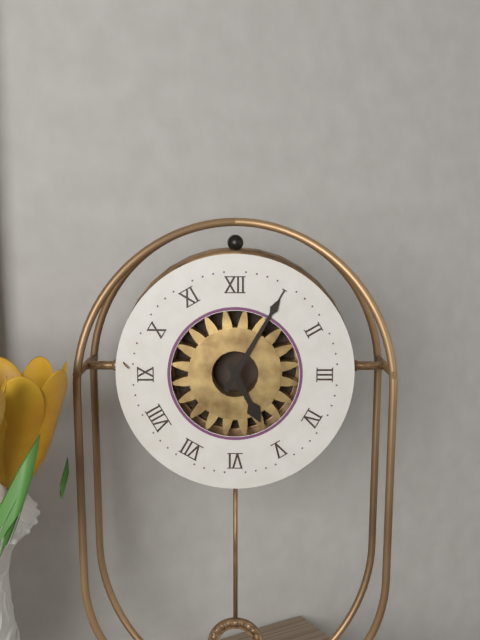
5:05
